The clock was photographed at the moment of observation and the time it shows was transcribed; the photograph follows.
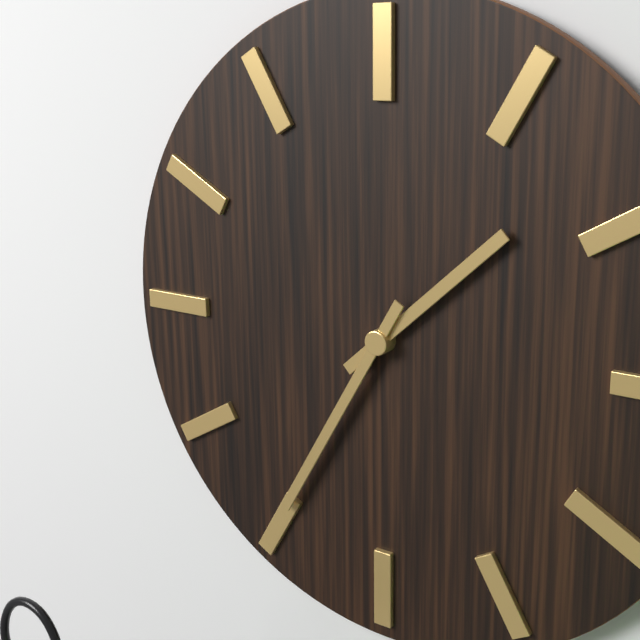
1:35
